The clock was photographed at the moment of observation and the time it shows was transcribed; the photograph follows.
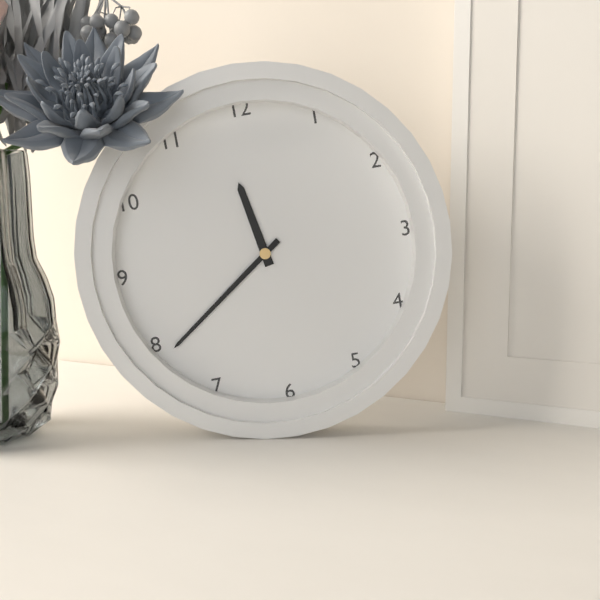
11:39
